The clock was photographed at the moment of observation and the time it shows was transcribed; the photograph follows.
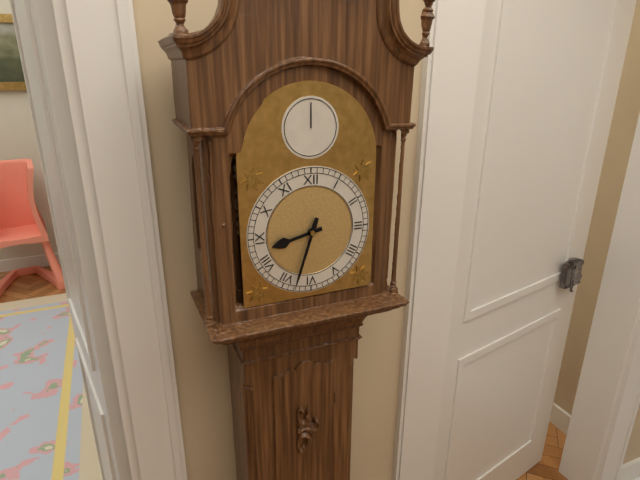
8:33
